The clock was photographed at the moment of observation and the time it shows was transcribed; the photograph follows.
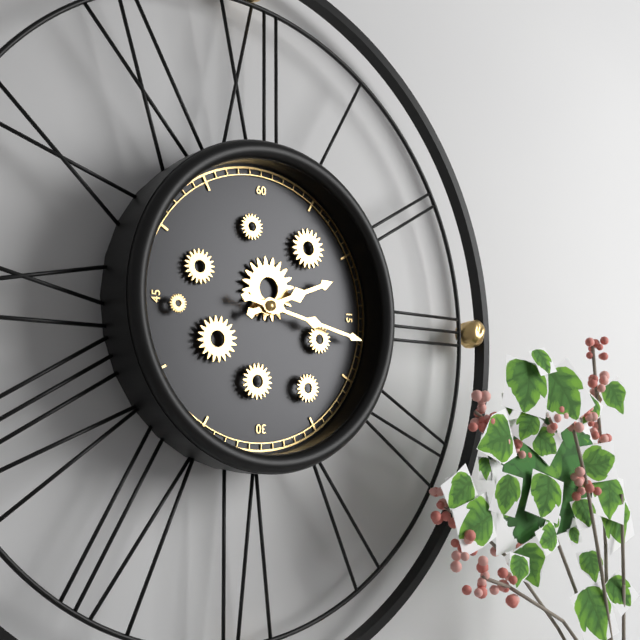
2:17
